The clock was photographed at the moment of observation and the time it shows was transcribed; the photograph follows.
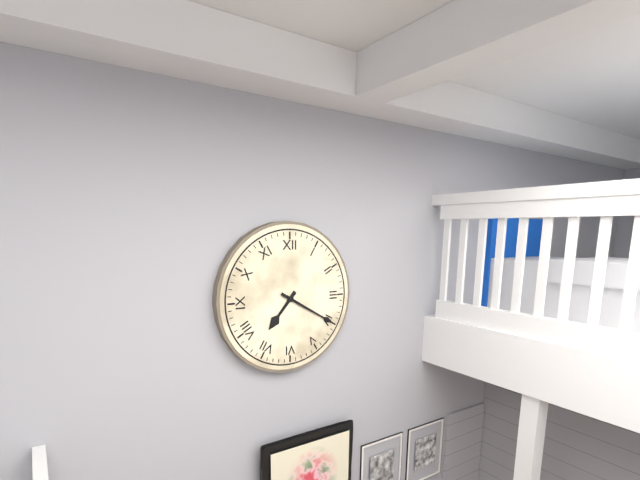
7:20
